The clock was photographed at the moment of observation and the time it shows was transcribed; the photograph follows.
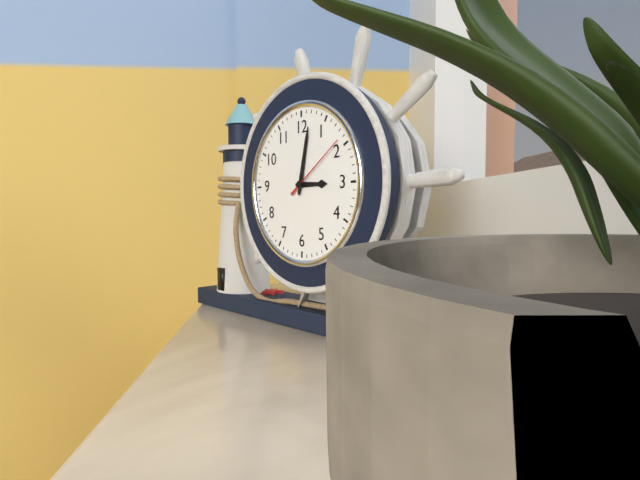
3:02:09
